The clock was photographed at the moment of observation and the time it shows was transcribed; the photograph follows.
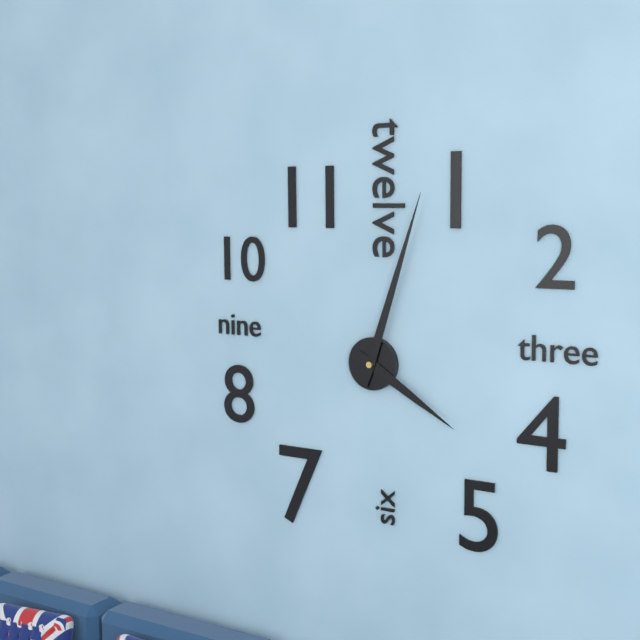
4:03
